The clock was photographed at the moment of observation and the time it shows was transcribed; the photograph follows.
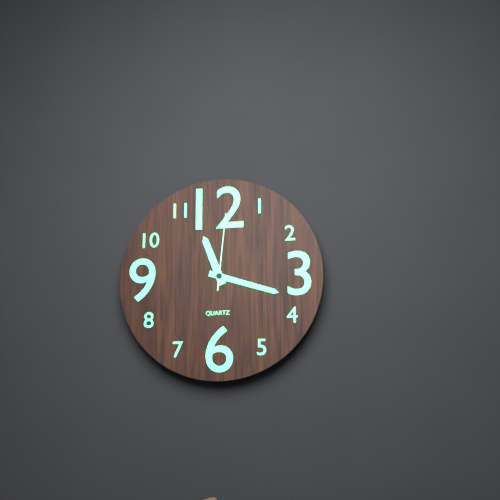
11:18:01
